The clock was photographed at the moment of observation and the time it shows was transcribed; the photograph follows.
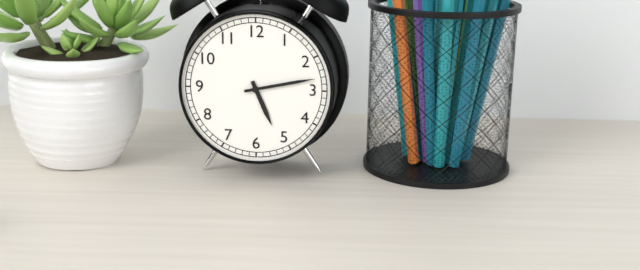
5:13
